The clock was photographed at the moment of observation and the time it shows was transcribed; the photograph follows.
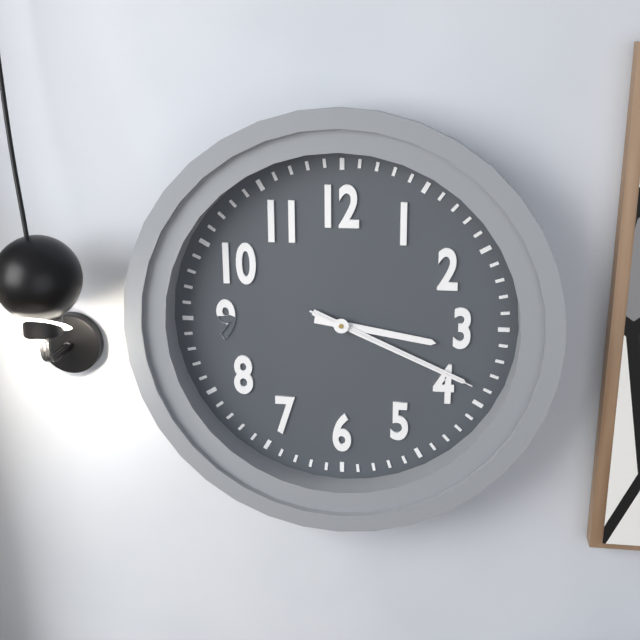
3:19:19
